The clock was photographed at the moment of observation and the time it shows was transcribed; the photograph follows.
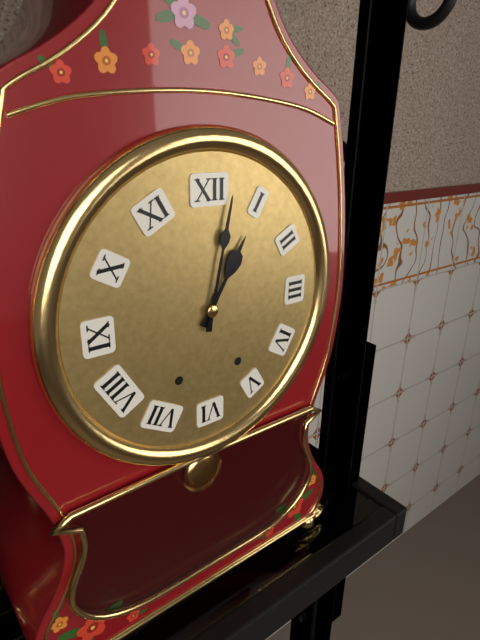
1:02
